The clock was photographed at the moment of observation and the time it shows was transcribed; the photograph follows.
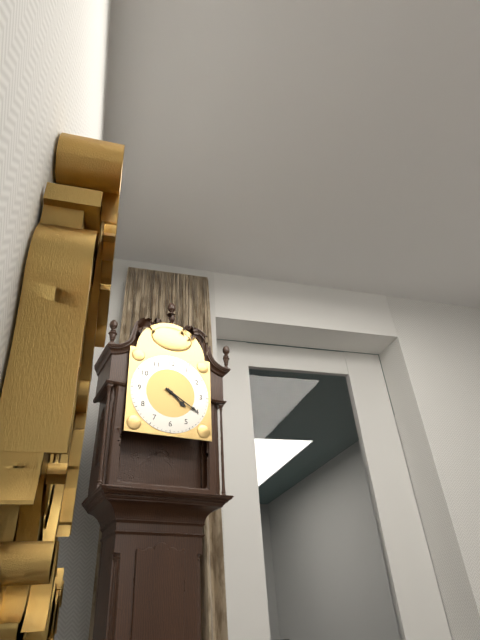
4:20
